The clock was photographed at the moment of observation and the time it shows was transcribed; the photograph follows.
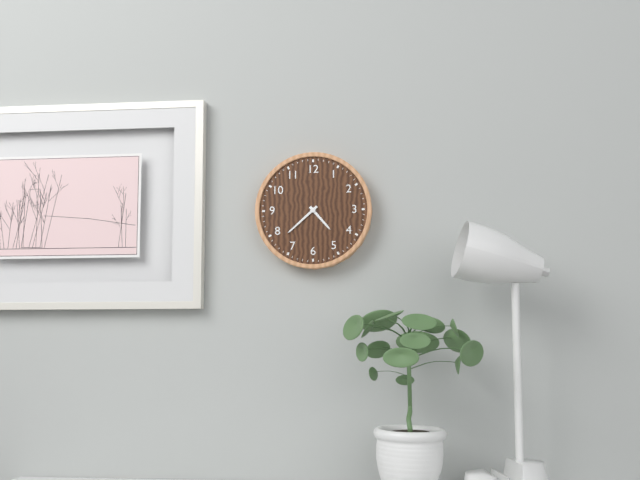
4:38
